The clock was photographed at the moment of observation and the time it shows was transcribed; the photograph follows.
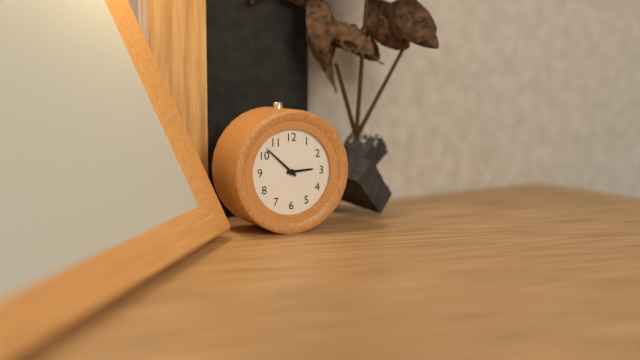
2:52
